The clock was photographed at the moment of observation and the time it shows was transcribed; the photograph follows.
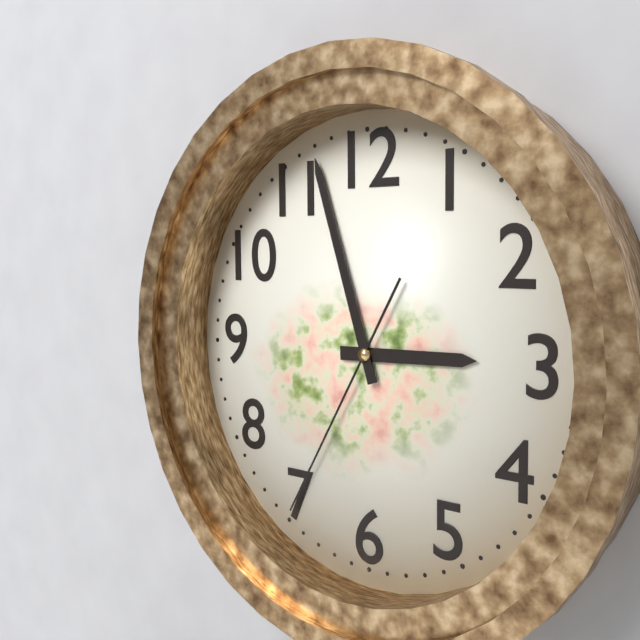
2:57:35
